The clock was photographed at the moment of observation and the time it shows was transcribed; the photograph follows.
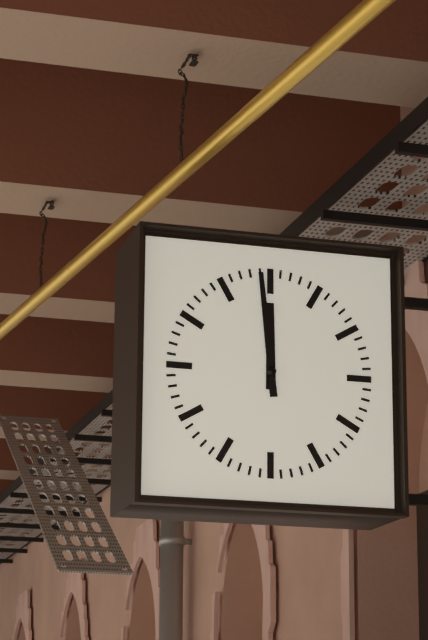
11:59
